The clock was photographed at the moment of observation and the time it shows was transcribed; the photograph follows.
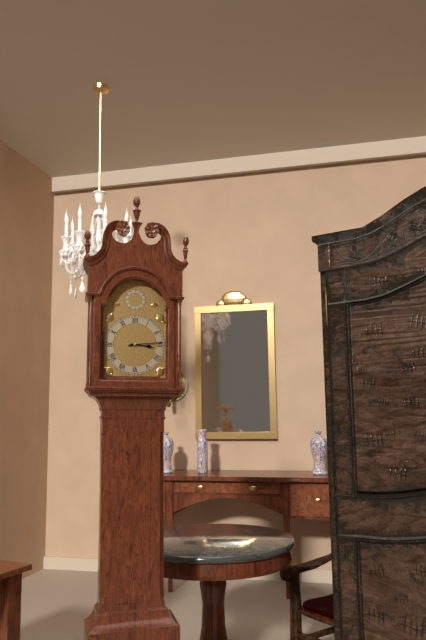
3:14
